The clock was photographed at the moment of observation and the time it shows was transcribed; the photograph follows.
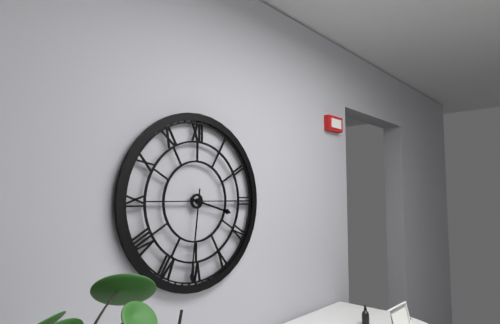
3:31
